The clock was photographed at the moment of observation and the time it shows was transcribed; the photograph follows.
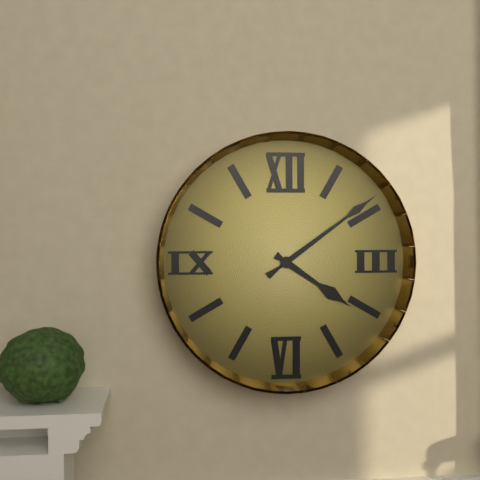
4:09
